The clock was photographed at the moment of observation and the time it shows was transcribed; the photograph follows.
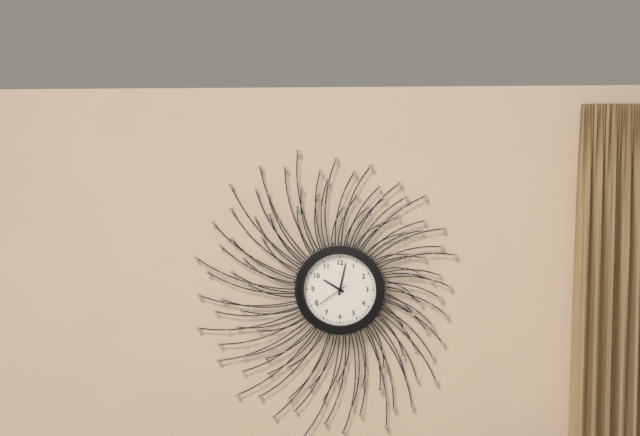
10:02
